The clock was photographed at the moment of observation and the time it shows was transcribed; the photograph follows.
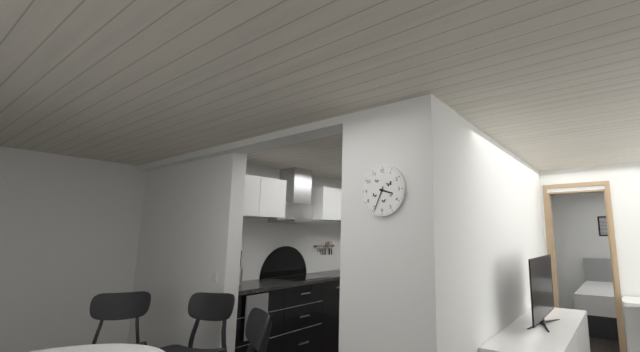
3:34
